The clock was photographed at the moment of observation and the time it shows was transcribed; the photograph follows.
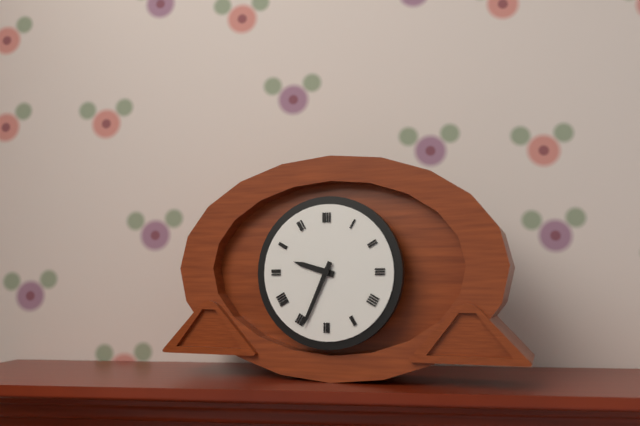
9:34
